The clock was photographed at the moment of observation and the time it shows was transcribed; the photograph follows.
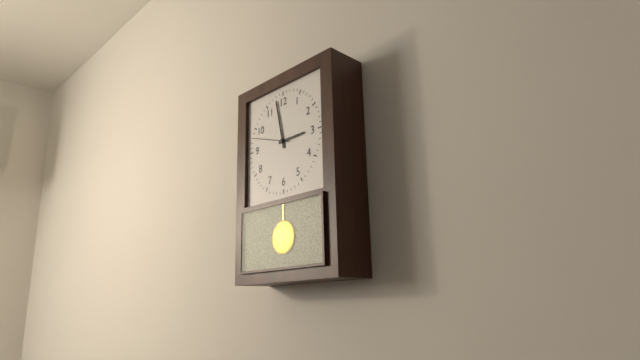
2:58
